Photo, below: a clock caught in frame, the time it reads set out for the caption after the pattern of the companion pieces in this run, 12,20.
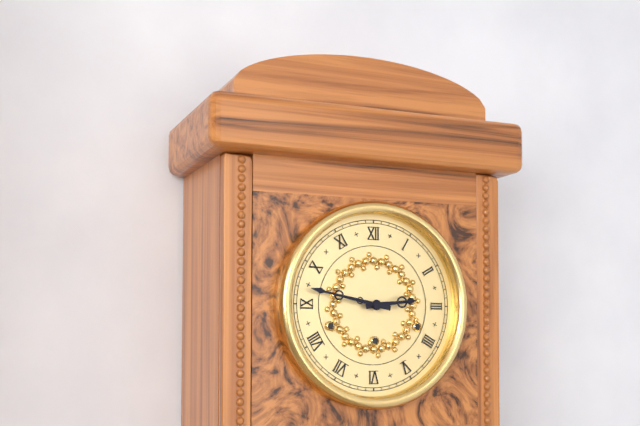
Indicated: 2,47
